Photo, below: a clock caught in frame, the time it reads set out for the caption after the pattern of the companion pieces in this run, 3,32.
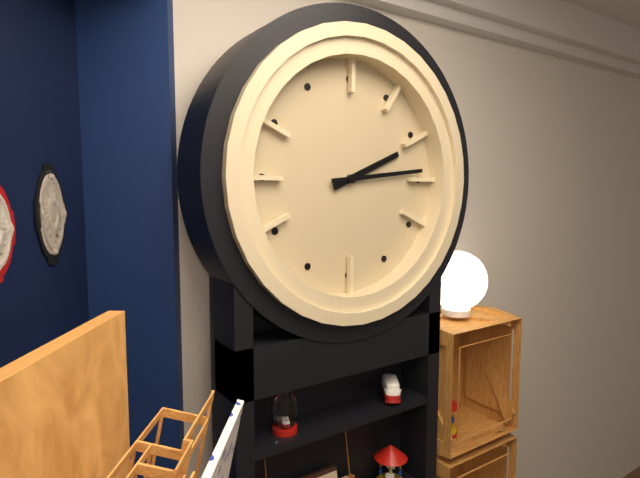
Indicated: 2,14
